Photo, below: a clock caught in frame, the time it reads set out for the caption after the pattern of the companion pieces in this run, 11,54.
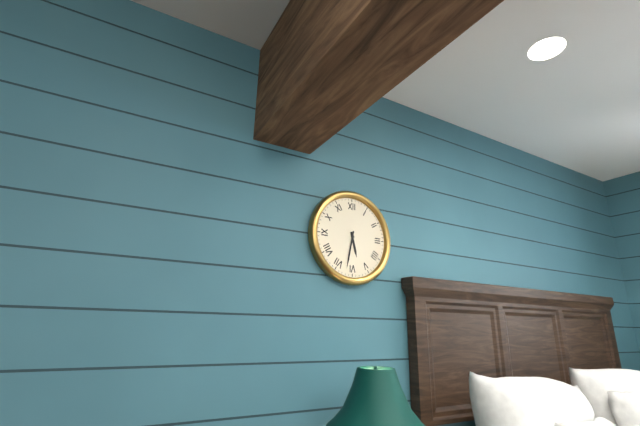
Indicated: 5,32
